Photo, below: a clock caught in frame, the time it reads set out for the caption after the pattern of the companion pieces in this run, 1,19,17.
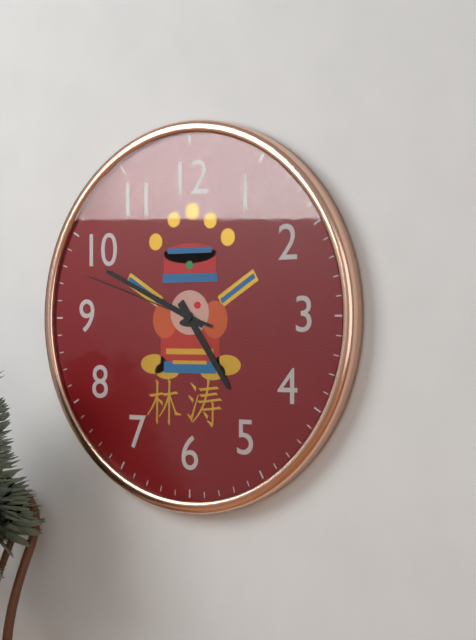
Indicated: 4,49,48
